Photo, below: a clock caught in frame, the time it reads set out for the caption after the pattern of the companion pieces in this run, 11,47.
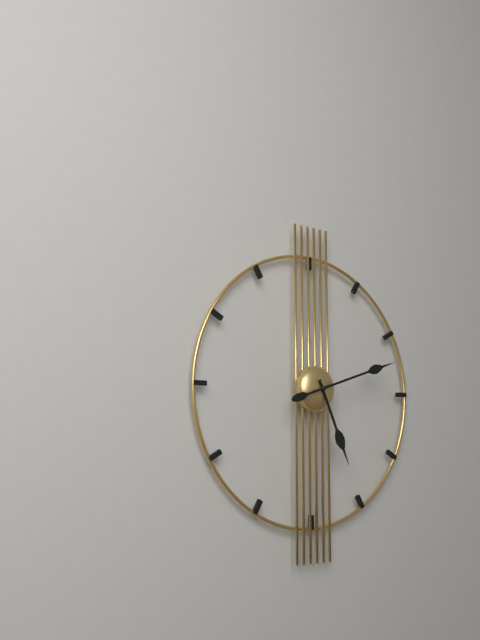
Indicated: 5,12
